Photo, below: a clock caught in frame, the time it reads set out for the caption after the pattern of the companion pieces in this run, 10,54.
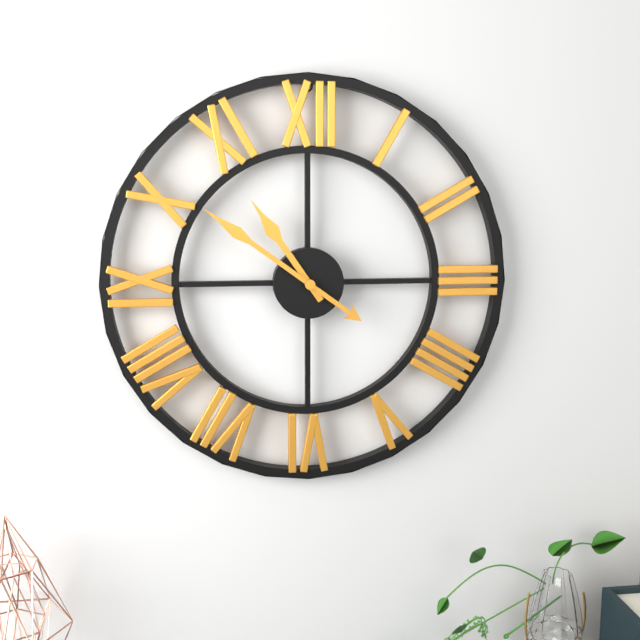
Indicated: 10,51
